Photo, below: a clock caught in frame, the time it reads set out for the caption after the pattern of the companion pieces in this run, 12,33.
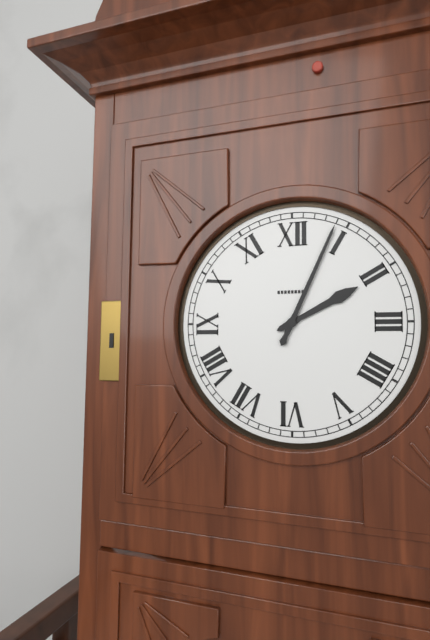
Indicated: 2,04
